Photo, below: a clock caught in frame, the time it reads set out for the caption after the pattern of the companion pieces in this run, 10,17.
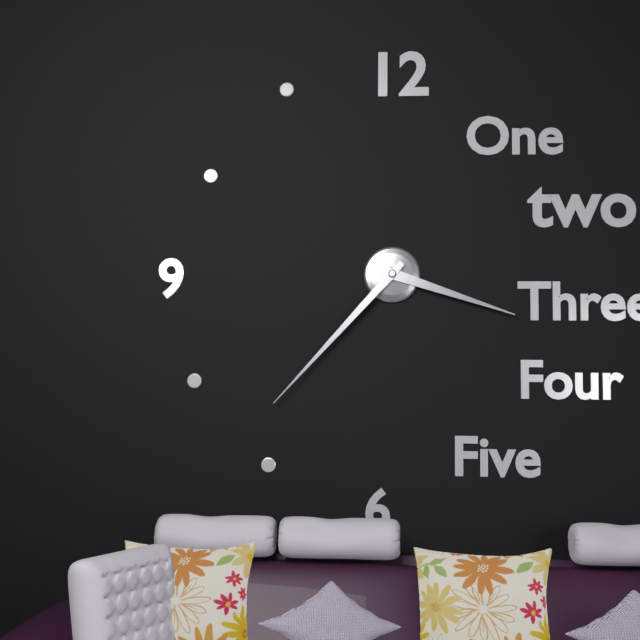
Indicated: 3,37
